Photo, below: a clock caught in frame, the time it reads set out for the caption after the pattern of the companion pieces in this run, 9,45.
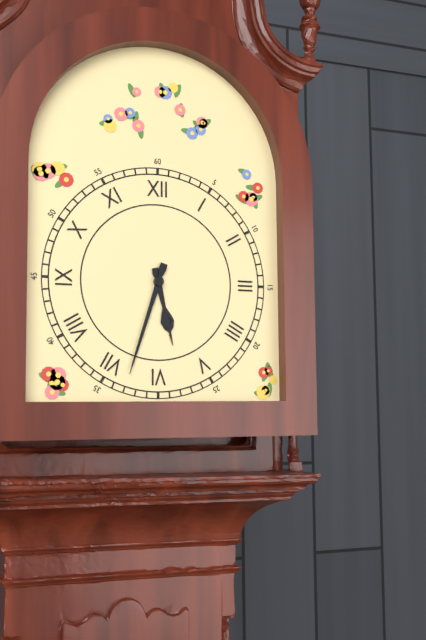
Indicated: 5,33
